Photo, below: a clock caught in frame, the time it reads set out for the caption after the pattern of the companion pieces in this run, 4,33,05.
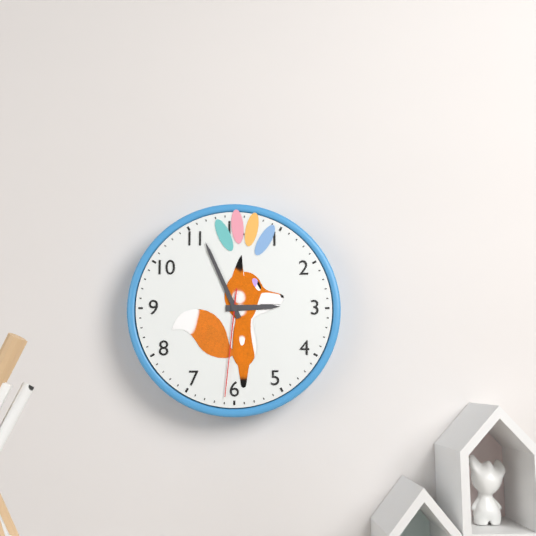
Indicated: 2,56,31
